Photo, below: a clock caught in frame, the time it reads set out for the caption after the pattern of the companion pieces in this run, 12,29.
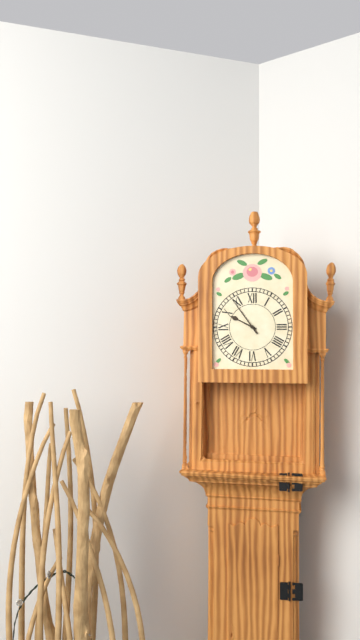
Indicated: 9,54
